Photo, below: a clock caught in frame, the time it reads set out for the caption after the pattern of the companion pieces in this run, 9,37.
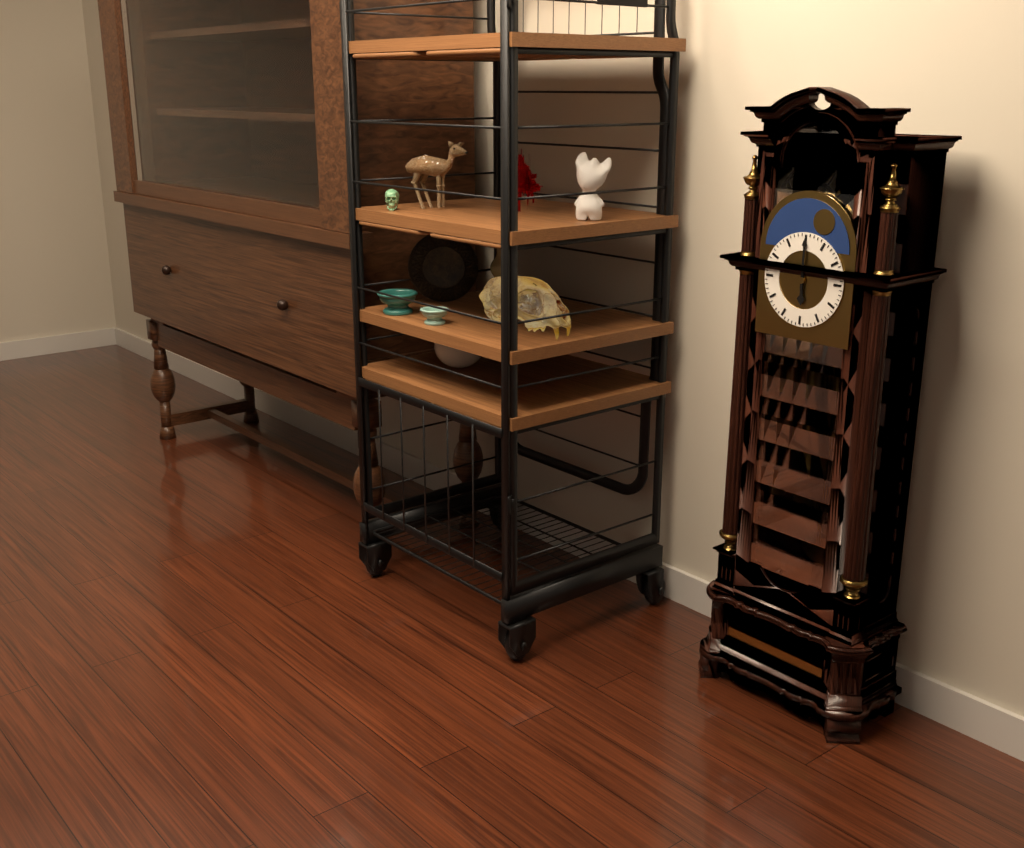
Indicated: 6,00
